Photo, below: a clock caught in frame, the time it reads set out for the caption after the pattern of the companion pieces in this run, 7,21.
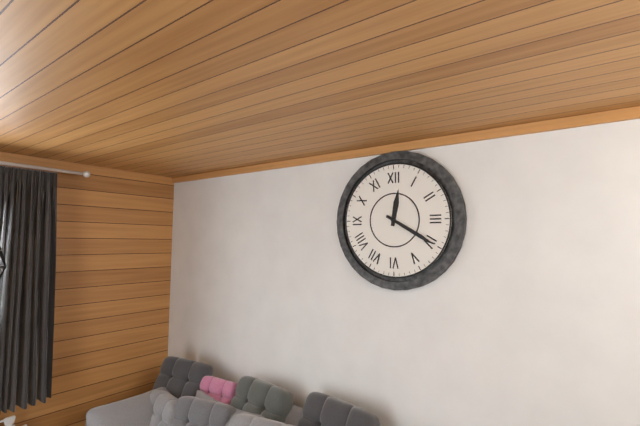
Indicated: 12,20
